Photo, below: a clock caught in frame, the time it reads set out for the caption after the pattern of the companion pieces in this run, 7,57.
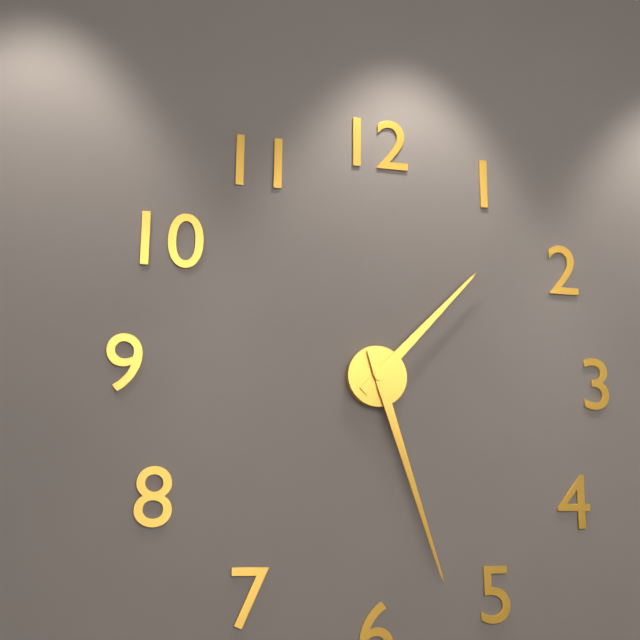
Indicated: 1,27
